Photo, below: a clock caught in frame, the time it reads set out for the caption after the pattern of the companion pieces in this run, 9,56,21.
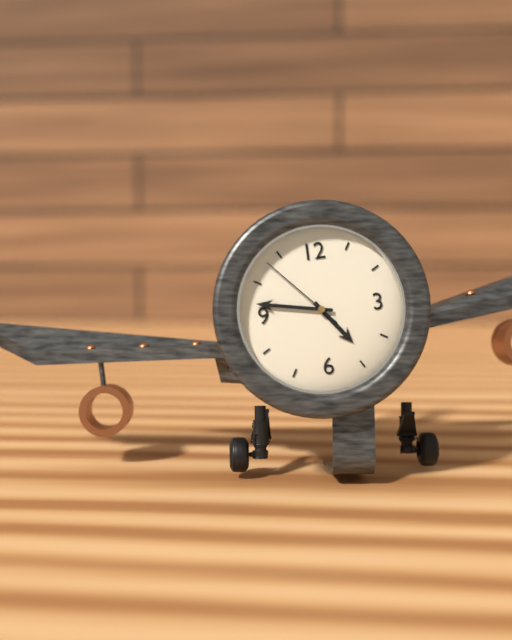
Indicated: 4,47,53
